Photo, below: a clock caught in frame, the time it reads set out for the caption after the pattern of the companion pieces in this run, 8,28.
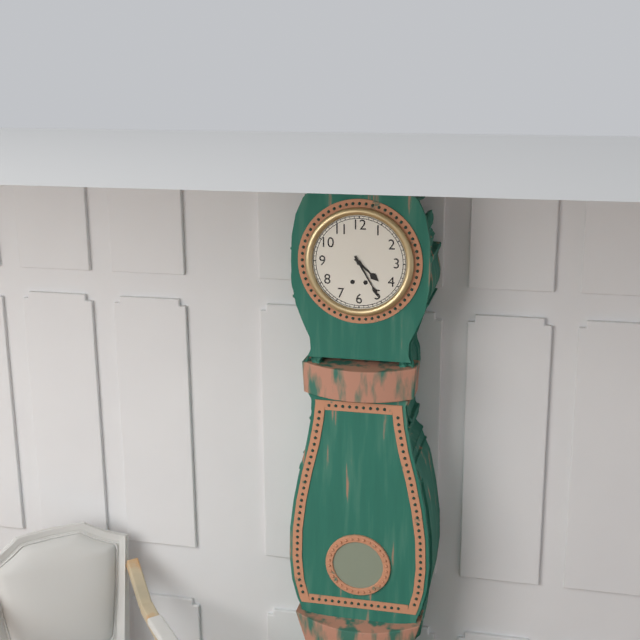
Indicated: 4,25
